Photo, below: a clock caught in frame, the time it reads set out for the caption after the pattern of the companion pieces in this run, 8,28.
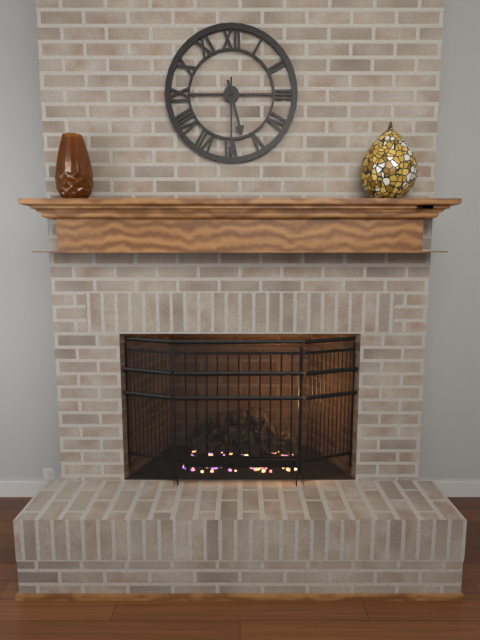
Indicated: 5,30
